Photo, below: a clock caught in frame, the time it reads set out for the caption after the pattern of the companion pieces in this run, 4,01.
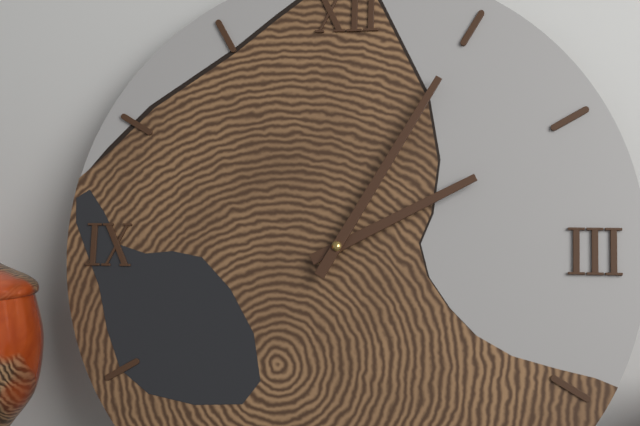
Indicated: 2,05
